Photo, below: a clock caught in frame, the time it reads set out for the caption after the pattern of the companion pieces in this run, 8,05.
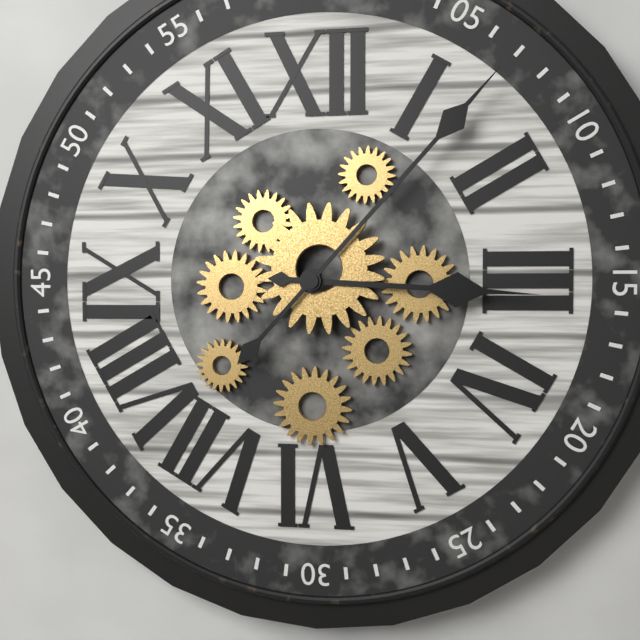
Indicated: 3,07
